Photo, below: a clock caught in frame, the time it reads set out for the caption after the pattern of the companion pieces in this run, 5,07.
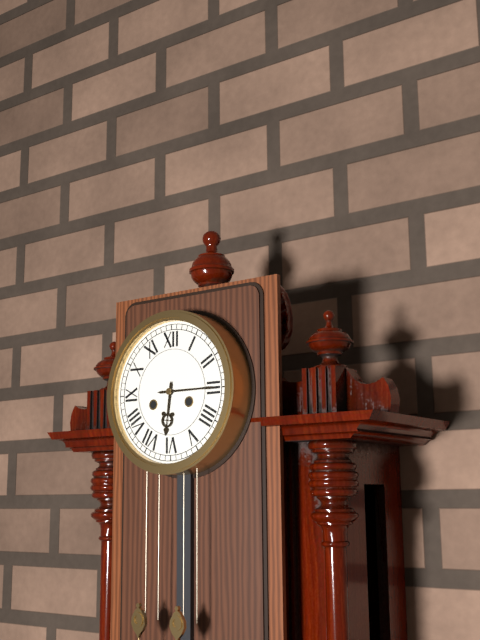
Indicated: 6,15
